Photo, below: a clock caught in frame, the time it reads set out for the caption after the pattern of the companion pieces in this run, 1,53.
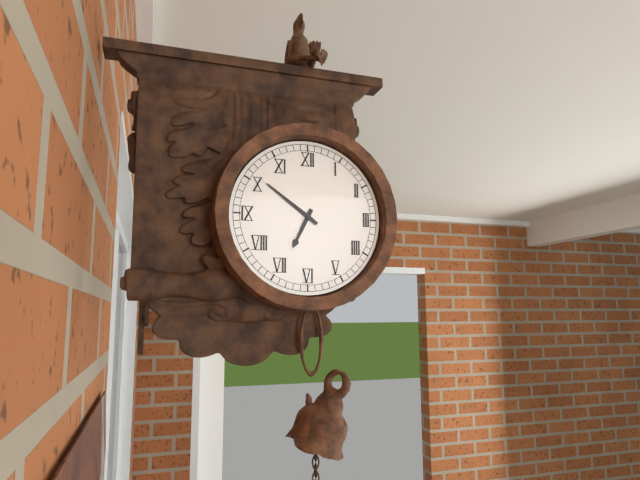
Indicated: 6,51
